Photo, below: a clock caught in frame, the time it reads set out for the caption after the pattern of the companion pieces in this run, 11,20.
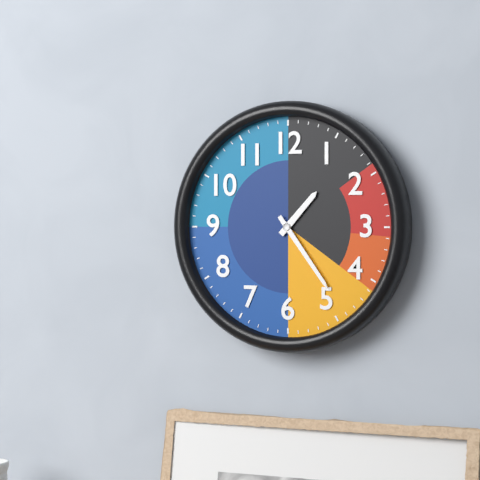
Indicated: 1,24
